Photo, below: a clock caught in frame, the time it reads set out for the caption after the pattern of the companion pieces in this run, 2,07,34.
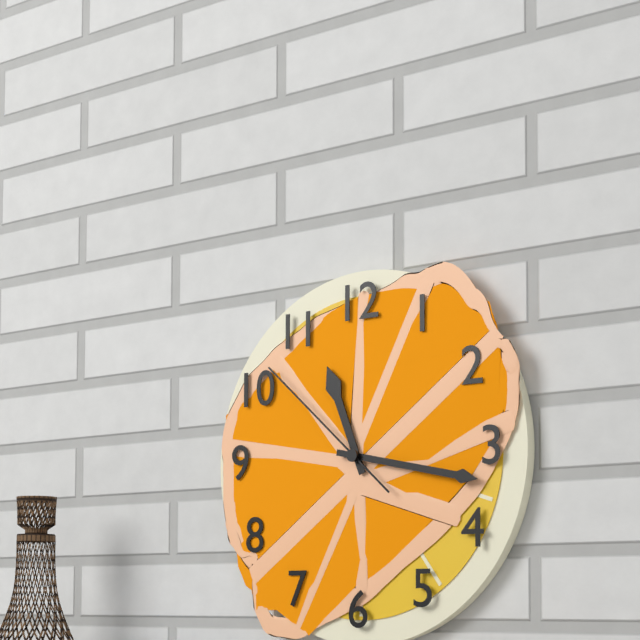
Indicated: 11,17,52
